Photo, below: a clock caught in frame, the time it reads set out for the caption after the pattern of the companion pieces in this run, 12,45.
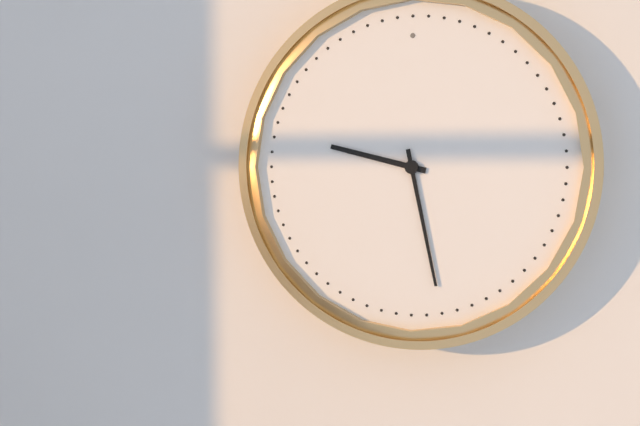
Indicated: 9,28
